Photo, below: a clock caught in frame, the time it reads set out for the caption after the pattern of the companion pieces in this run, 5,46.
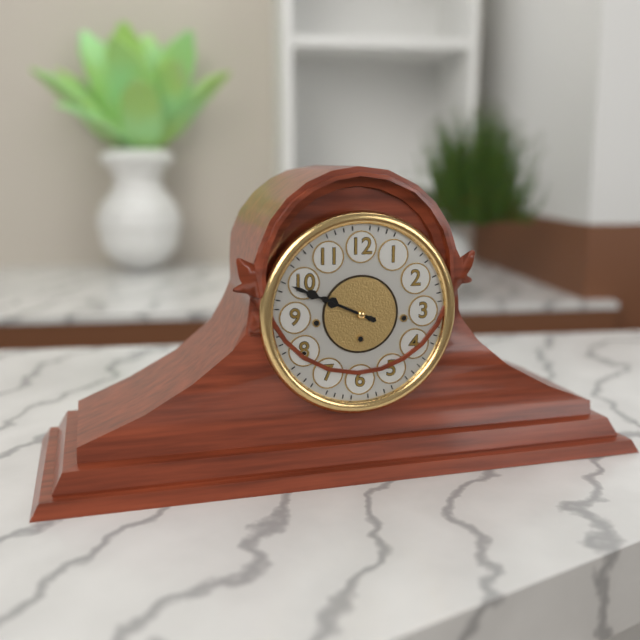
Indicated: 9,49
